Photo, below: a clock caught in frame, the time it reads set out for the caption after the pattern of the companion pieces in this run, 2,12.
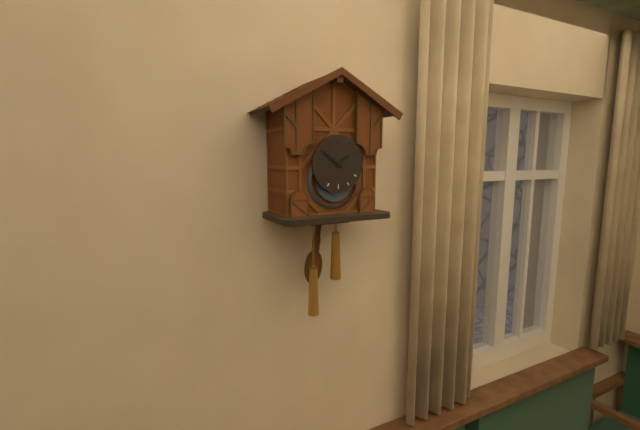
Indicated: 1,51
